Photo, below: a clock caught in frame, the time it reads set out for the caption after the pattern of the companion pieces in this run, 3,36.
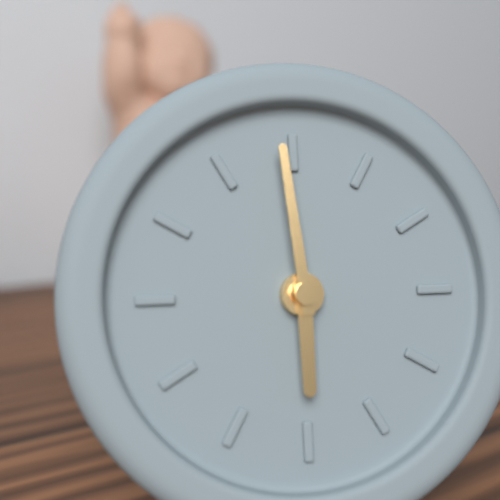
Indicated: 5,59
